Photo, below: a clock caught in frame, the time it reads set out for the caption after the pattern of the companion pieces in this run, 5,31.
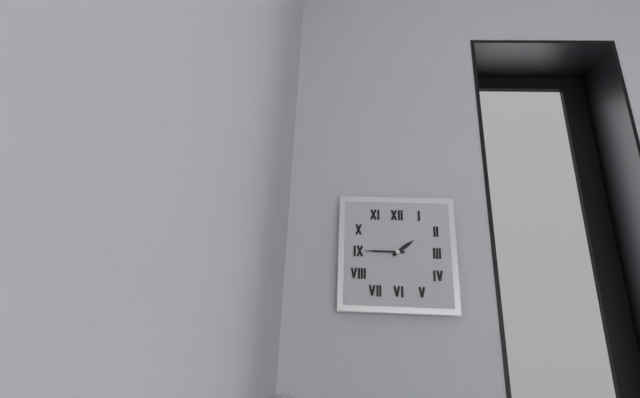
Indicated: 1,45
